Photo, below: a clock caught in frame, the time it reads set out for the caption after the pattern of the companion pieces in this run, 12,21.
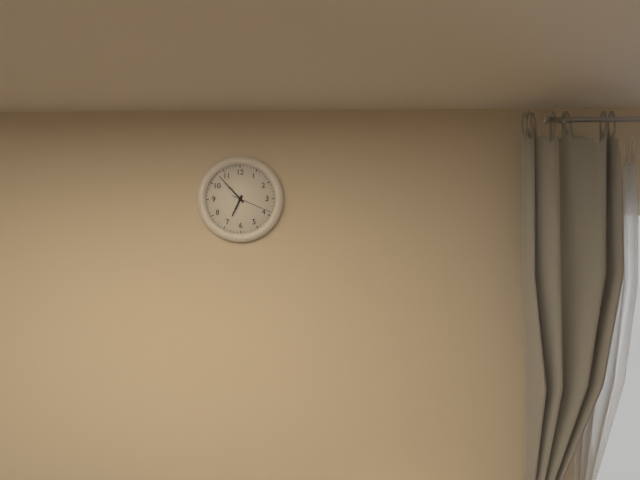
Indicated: 6,53
